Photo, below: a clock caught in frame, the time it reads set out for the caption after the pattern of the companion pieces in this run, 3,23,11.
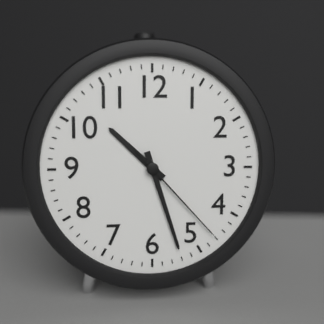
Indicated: 10,27,23
